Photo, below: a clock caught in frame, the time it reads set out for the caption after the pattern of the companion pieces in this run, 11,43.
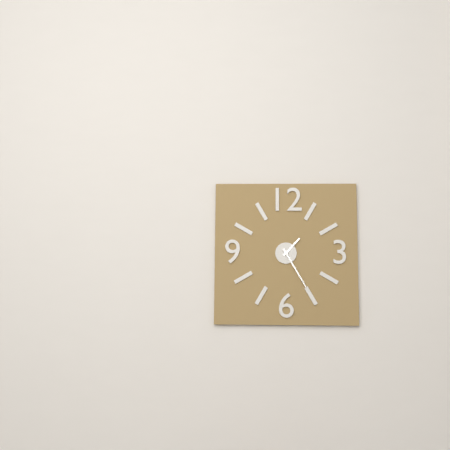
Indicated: 1,25
